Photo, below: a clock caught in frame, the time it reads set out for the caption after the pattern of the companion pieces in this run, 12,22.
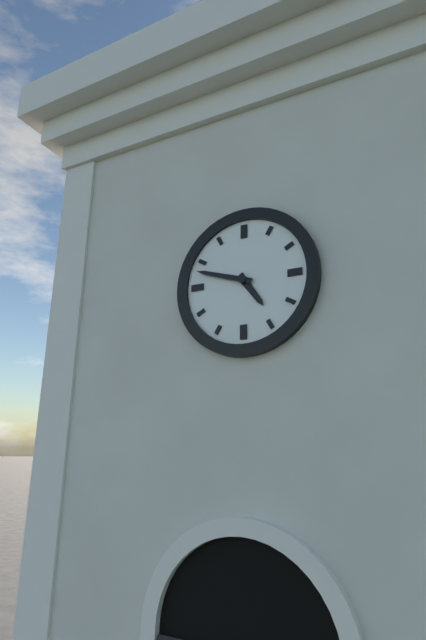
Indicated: 4,48
